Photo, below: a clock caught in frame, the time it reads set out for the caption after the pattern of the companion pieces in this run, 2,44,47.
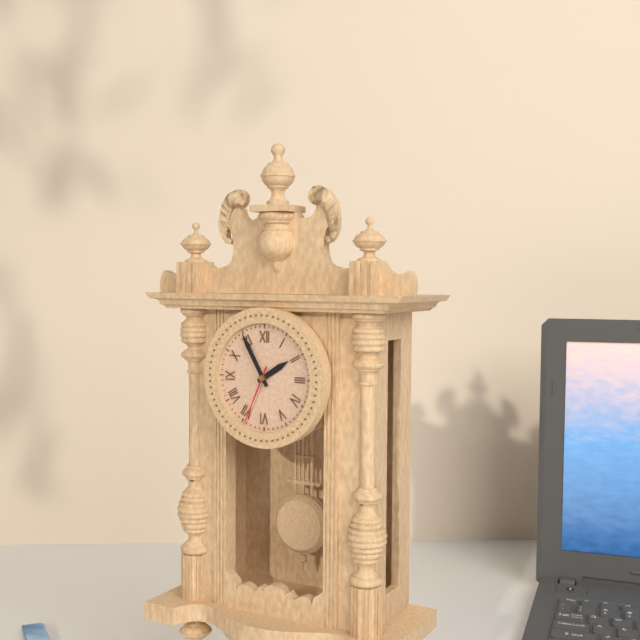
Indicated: 1,55,34
